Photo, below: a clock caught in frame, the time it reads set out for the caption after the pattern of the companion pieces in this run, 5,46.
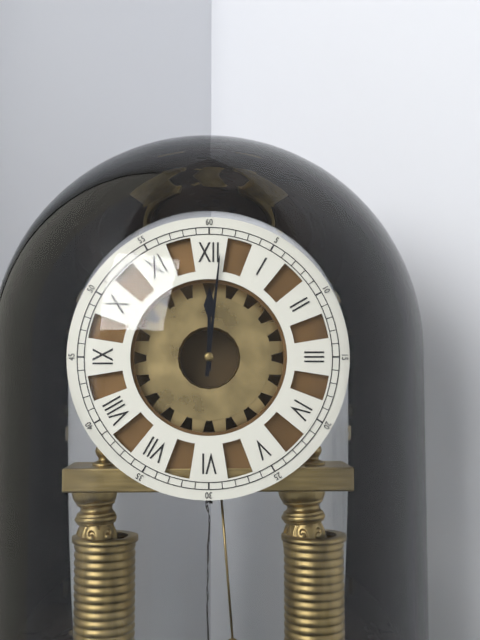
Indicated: 12,01
